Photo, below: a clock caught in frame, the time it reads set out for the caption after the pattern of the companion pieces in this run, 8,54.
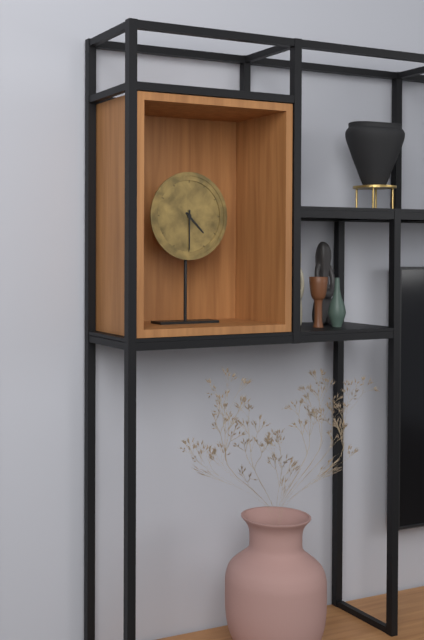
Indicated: 4,30
